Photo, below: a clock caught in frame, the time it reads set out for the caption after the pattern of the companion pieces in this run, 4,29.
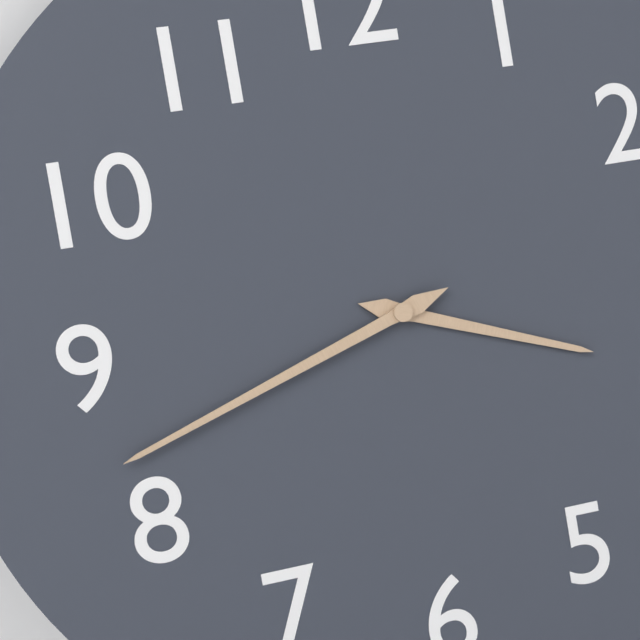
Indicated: 3,42
